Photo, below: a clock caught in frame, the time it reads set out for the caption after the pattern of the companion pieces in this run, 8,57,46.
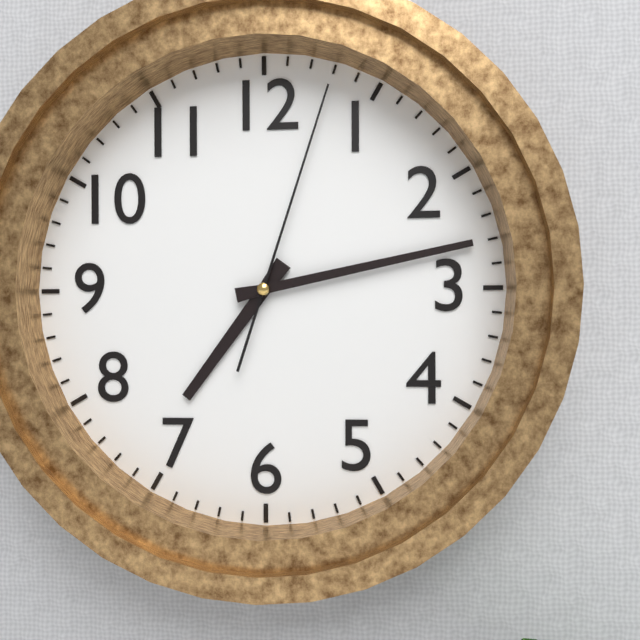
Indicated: 7,13,03
